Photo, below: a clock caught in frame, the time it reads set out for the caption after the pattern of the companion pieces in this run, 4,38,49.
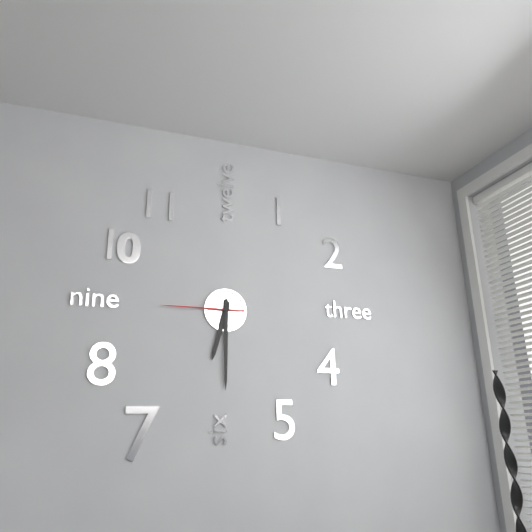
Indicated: 6,30,45
